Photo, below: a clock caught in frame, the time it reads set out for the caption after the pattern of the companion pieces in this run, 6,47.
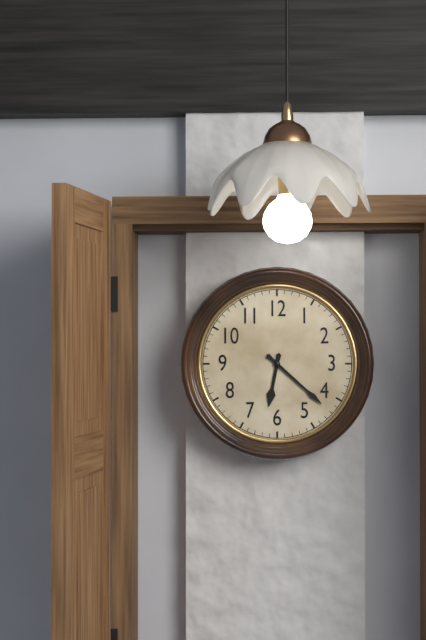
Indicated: 6,22
